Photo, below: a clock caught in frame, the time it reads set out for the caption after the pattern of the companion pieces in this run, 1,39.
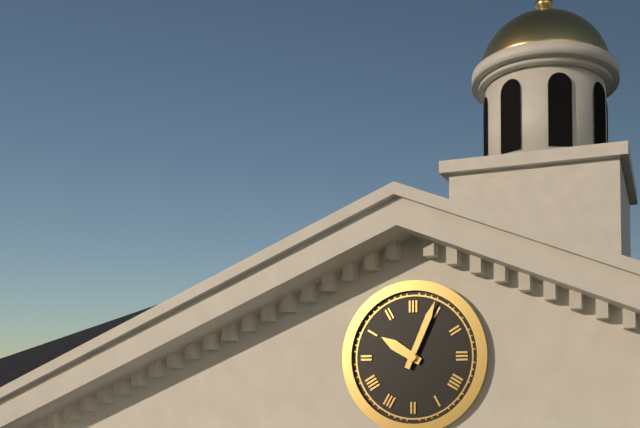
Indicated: 10,04
